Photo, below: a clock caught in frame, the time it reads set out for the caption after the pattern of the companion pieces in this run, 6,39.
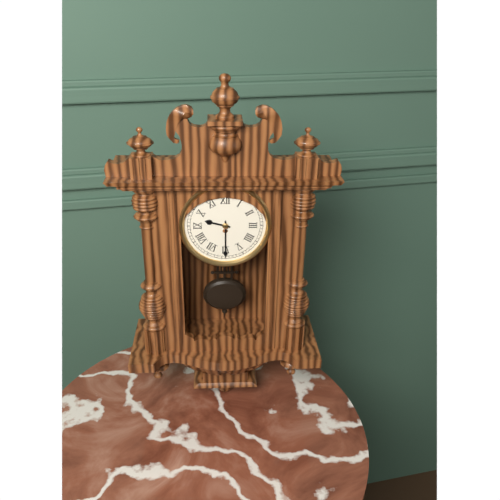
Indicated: 9,30
